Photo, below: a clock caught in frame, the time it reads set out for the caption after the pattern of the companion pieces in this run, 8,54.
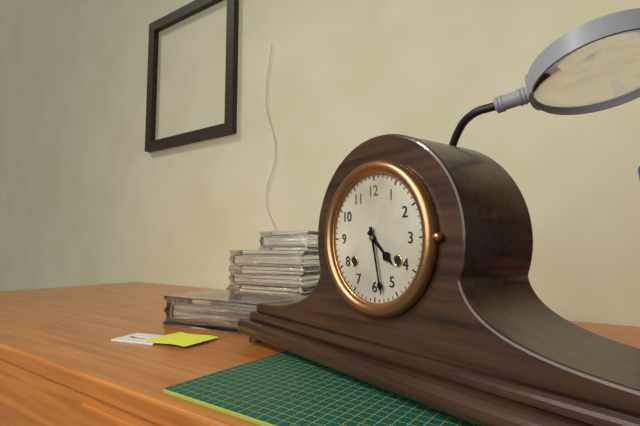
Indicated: 4,28
